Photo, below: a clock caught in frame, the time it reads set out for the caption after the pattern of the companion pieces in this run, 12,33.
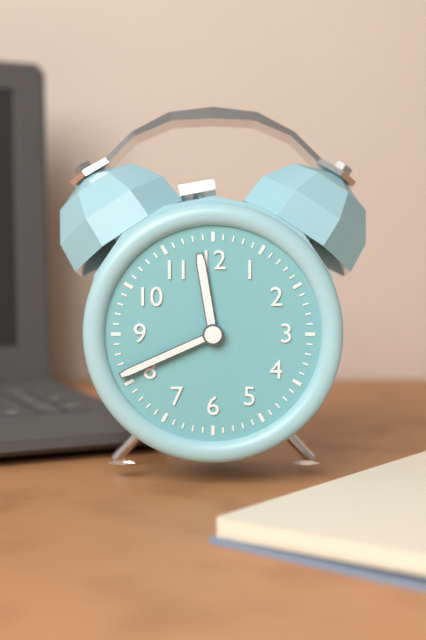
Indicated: 11,41
